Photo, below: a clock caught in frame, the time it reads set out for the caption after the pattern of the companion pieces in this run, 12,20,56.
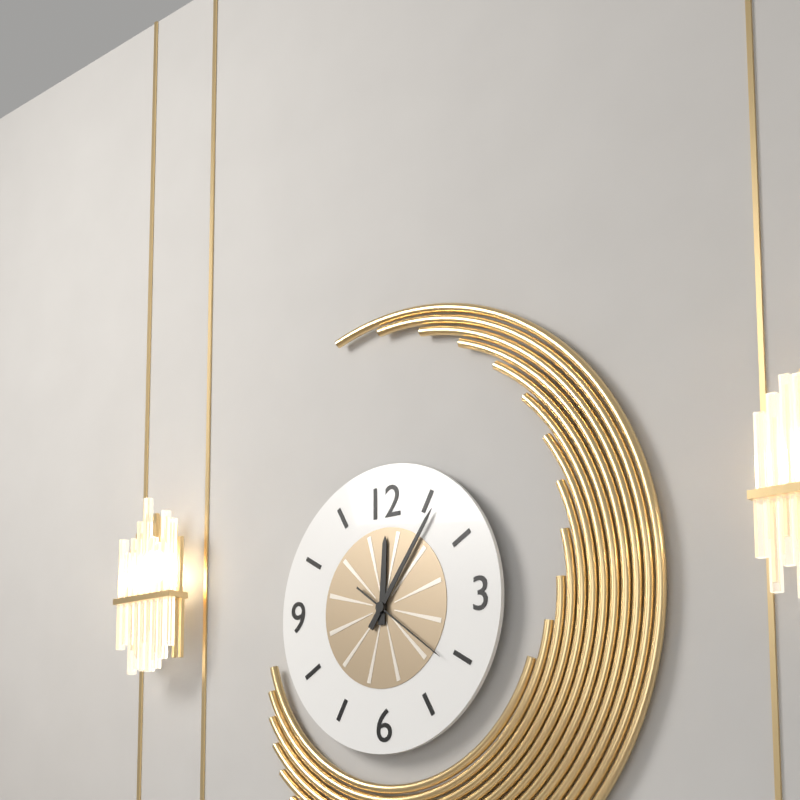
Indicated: 12,06,21
